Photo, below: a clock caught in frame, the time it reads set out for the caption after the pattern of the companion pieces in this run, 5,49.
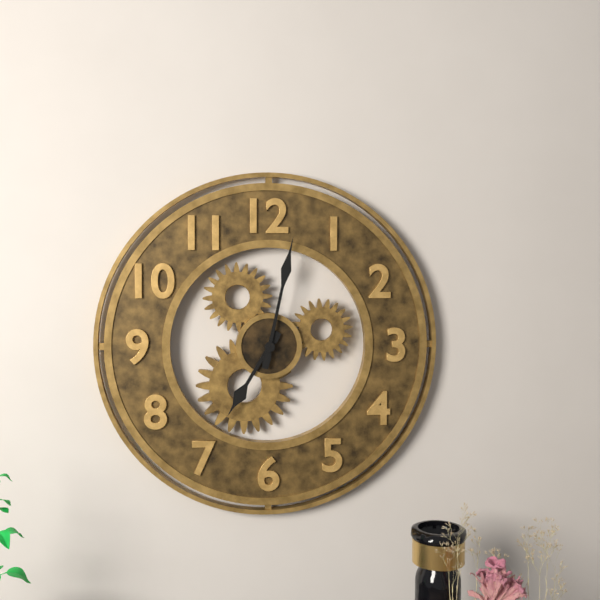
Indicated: 7,02
